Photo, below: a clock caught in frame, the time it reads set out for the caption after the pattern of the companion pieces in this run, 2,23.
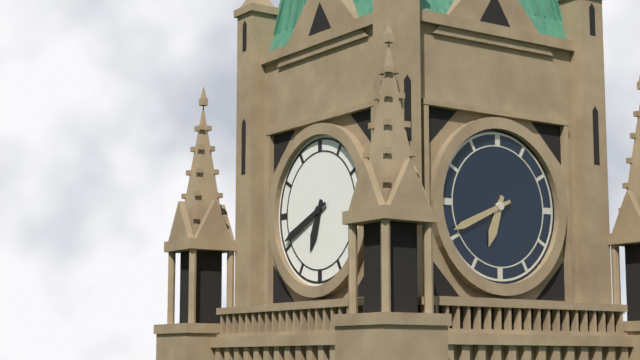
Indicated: 6,41
